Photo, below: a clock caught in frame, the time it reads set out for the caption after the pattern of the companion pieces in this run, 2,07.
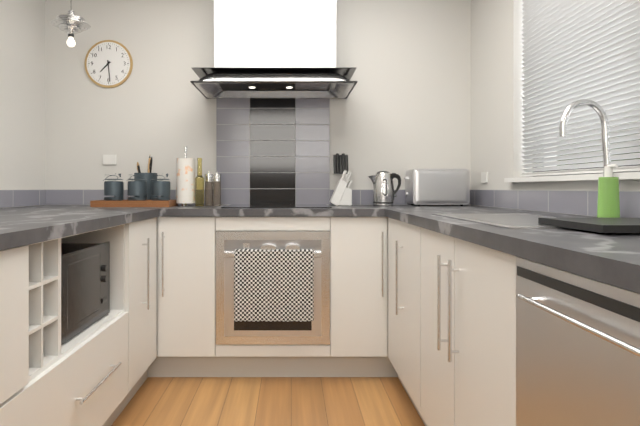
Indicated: 7,29
